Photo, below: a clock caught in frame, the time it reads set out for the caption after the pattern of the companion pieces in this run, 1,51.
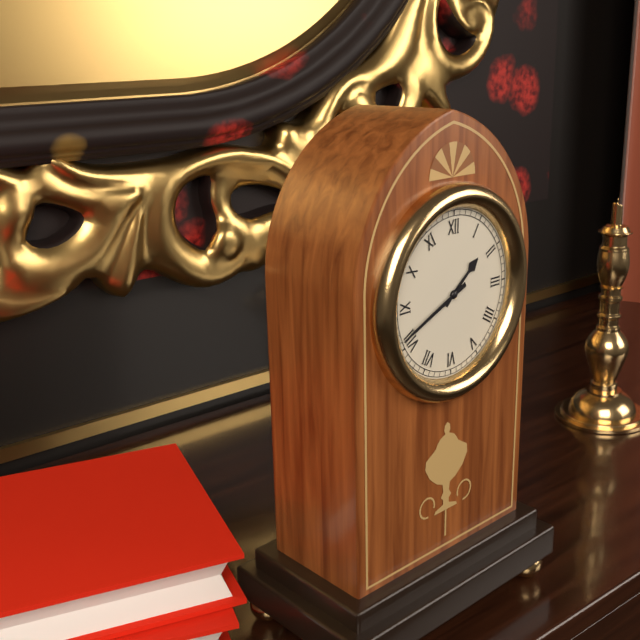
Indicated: 1,41
